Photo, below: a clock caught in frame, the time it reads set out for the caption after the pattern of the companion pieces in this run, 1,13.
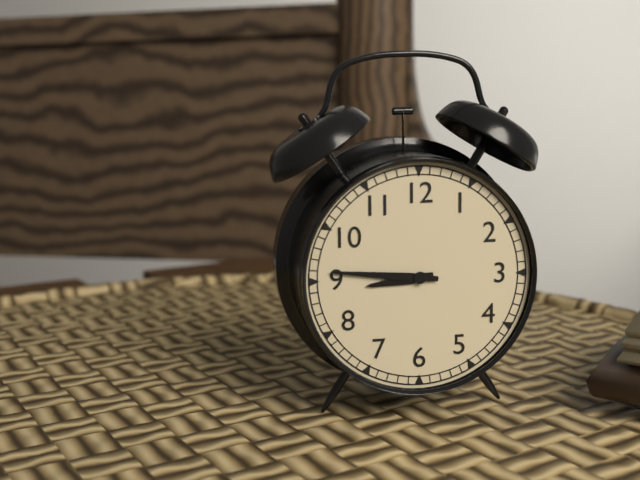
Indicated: 8,46
